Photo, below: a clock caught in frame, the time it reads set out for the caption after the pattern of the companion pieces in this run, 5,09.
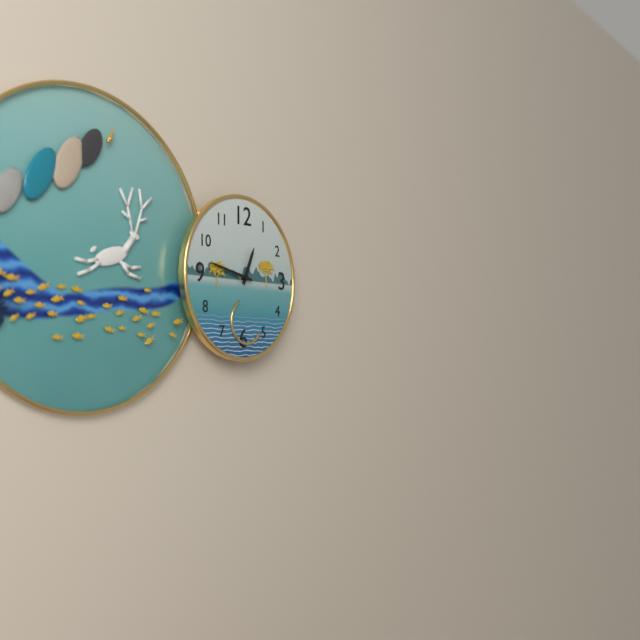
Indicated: 12,47
